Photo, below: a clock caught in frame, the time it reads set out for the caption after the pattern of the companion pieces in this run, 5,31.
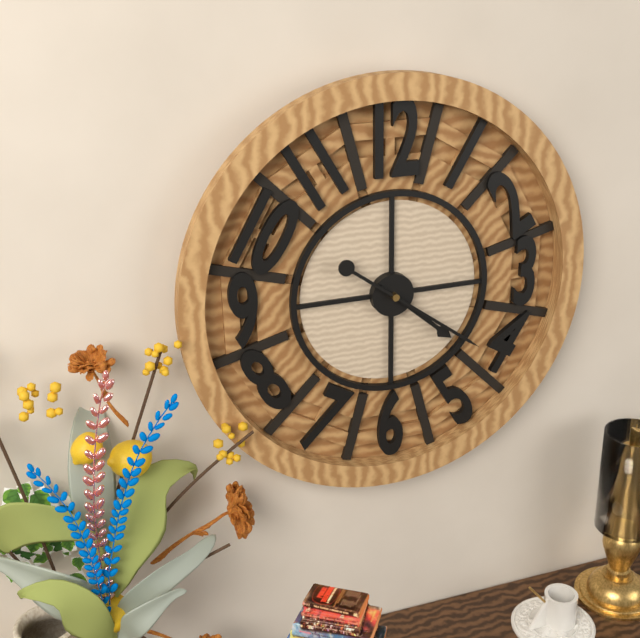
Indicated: 4,21
